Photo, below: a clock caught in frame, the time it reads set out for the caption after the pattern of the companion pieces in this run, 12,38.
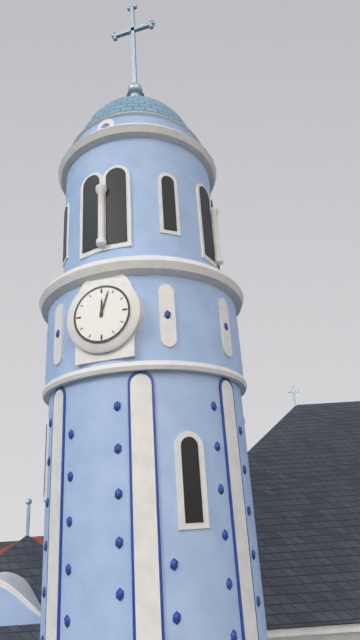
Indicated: 12,03
